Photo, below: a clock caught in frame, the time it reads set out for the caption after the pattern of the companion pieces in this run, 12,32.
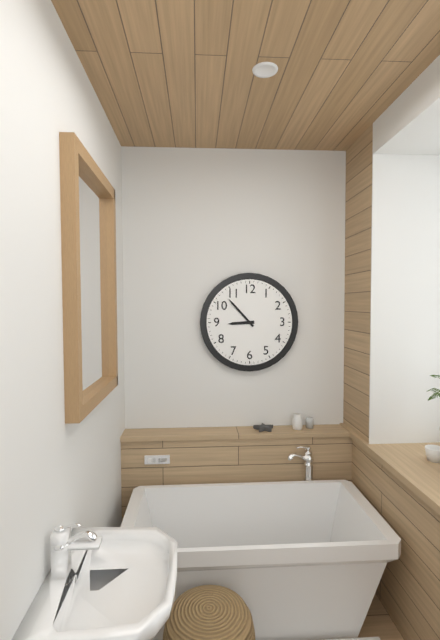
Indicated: 8,53
